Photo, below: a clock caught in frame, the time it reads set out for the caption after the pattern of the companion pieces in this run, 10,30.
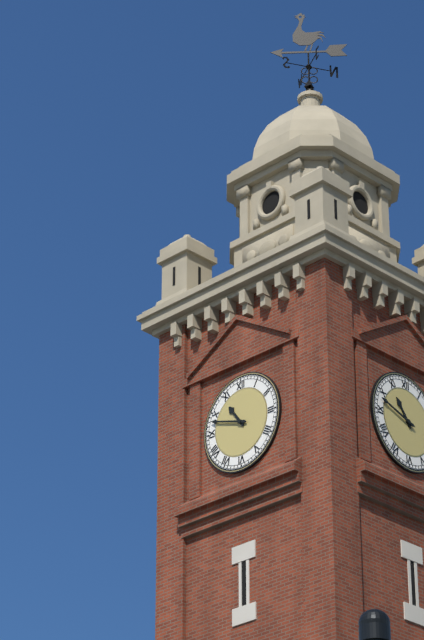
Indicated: 10,48
